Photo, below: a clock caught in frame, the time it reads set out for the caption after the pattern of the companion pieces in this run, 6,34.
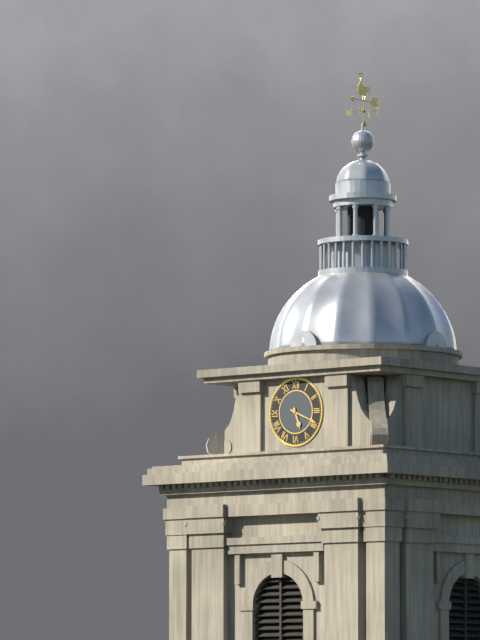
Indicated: 5,19
